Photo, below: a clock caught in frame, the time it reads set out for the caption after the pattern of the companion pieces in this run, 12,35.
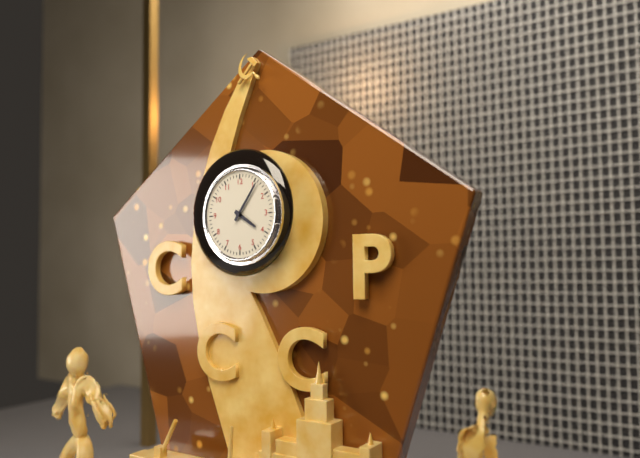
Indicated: 4,06
